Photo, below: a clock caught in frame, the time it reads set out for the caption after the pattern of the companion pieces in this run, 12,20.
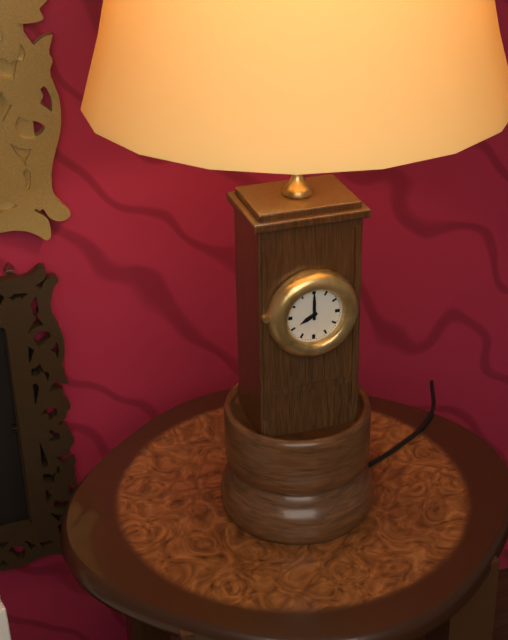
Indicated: 8,00
